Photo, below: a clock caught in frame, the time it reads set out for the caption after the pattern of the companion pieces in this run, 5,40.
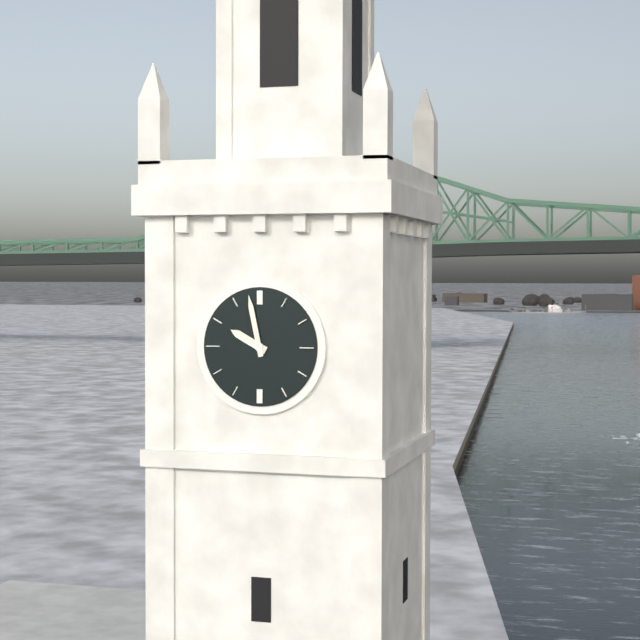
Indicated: 9,58
